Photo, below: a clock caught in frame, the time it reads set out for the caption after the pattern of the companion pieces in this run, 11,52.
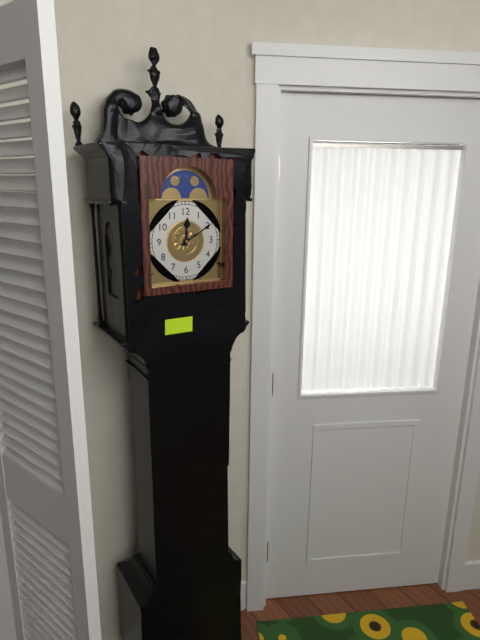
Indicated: 12,10
